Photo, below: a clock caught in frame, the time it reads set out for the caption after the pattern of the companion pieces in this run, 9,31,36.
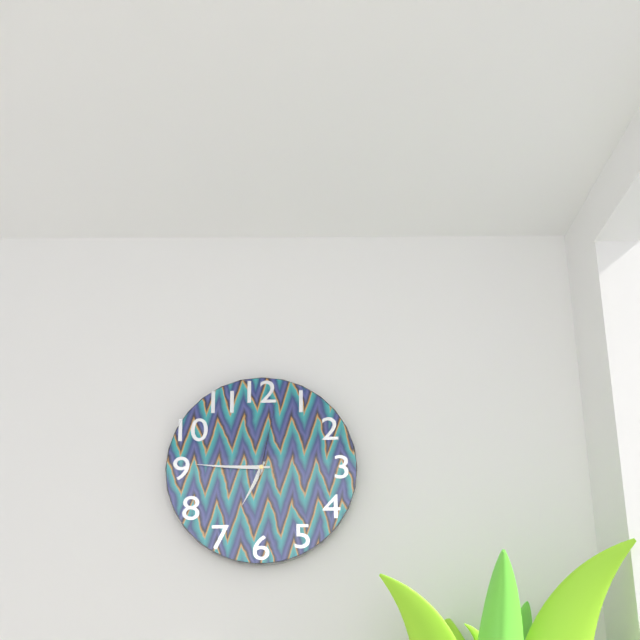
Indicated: 6,45,02
